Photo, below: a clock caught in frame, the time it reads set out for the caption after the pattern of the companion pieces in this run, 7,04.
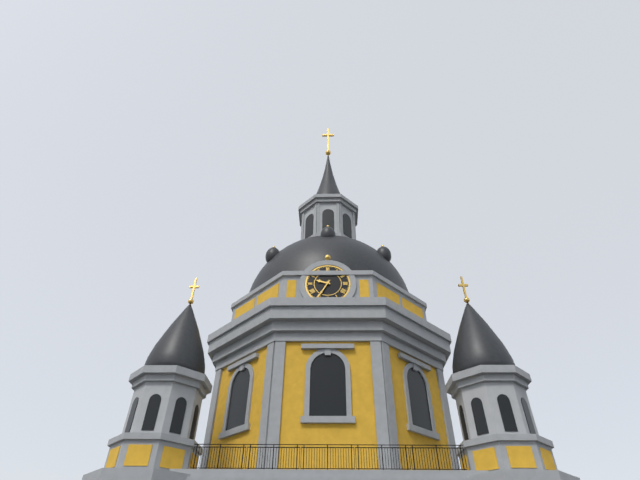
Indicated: 9,35
